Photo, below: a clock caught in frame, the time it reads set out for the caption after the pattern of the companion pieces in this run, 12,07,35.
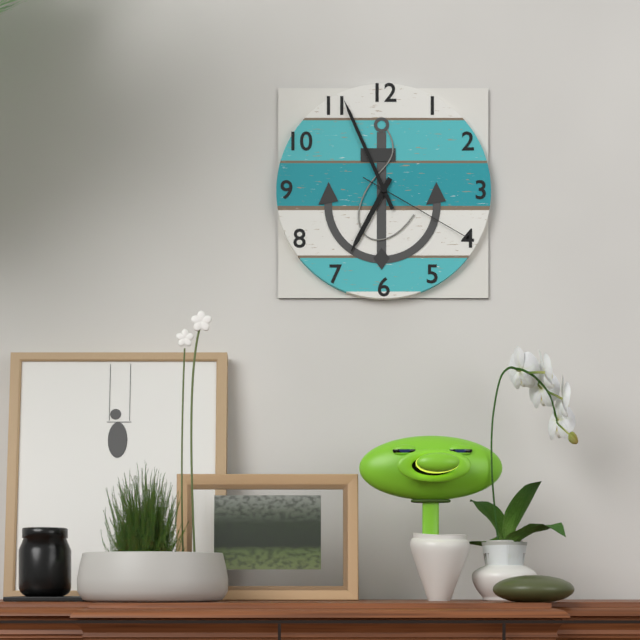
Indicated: 6,56,20
